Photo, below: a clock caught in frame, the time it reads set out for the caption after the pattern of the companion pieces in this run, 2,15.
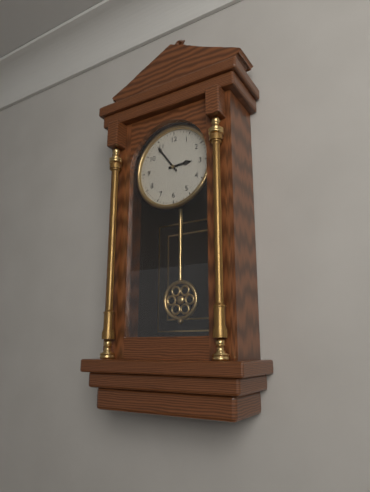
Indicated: 2,54
